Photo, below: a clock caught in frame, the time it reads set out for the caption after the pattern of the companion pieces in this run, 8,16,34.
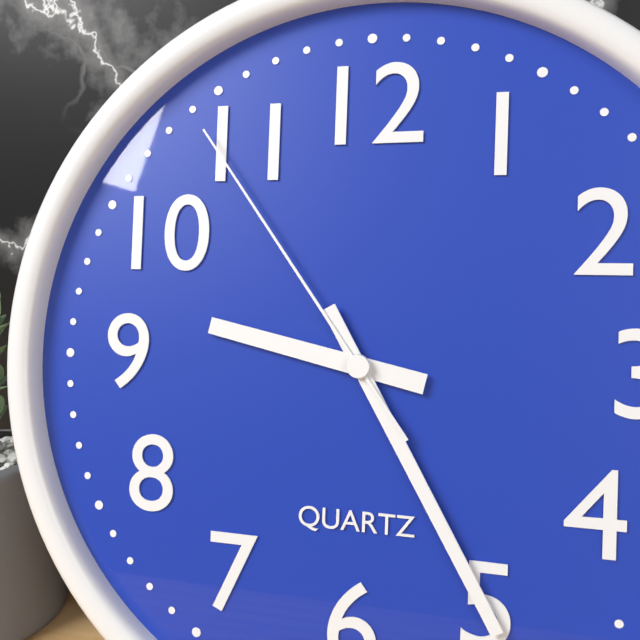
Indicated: 9,25,54
